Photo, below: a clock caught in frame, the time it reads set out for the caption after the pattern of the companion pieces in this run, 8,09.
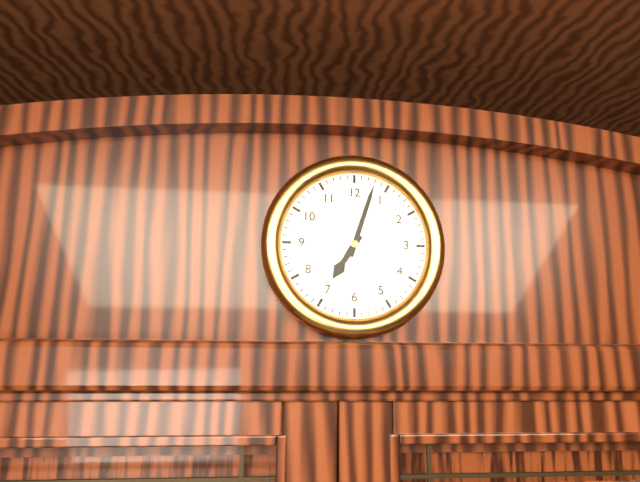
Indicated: 7,03
